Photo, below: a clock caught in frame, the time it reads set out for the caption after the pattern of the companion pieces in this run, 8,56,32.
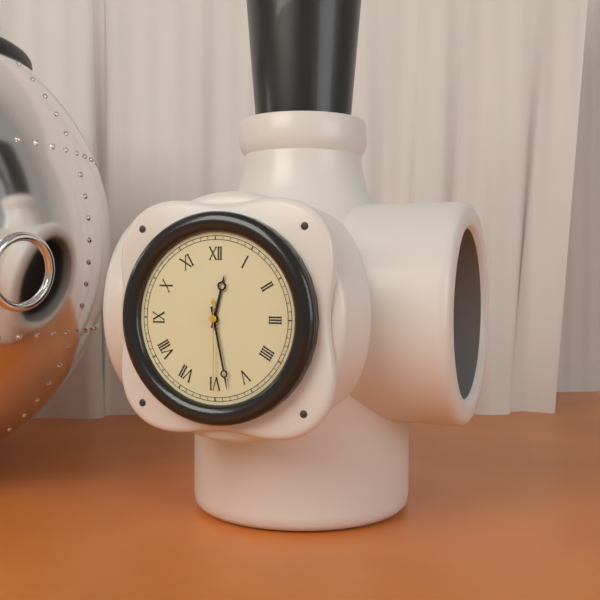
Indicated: 12,28,30
